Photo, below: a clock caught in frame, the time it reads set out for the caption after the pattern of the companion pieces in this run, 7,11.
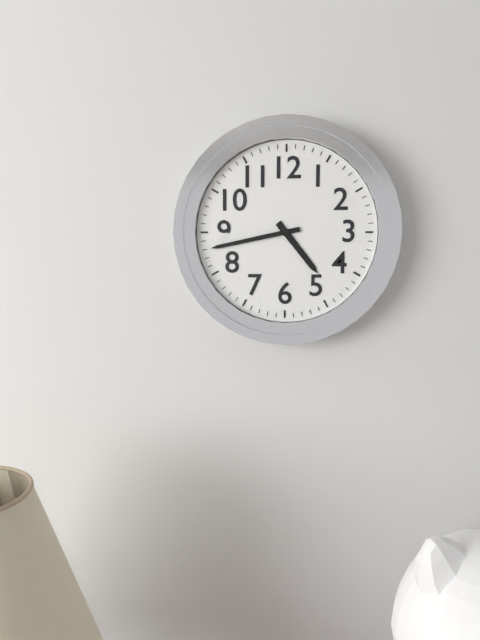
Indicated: 4,43
